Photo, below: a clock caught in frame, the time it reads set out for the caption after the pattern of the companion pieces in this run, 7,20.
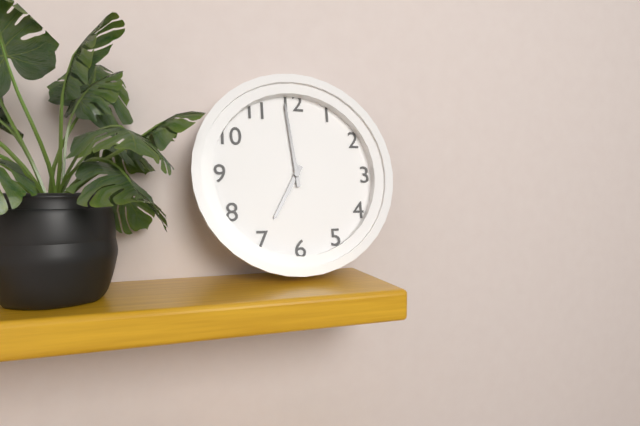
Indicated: 6,59
